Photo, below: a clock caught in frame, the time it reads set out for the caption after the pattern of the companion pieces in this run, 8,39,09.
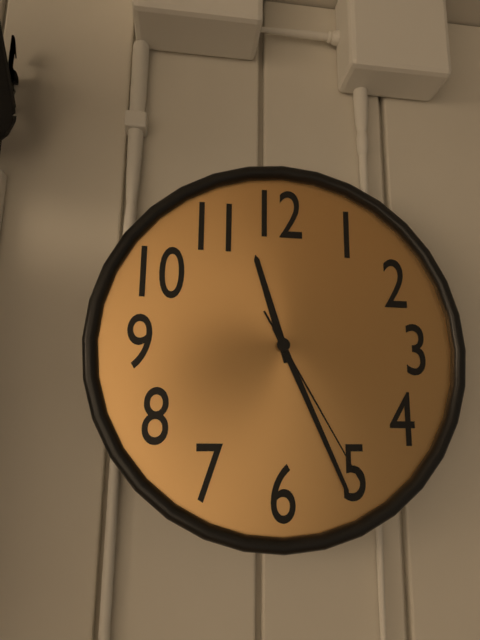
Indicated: 11,26,25
